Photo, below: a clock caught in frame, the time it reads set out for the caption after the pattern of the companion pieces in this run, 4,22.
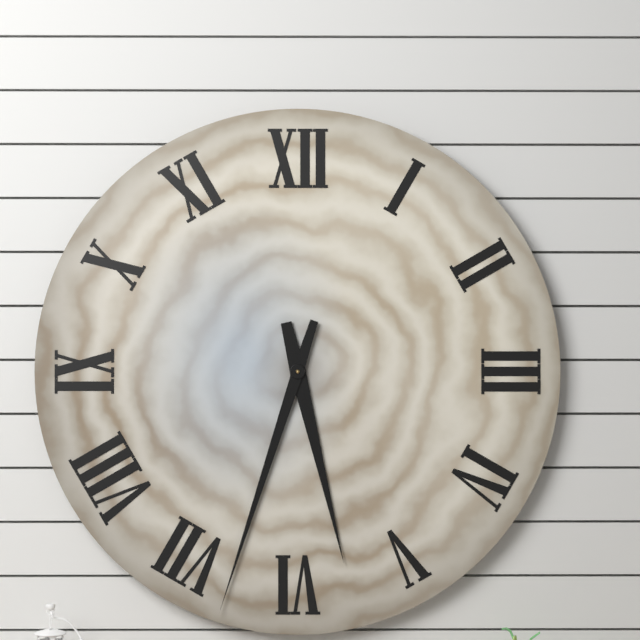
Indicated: 5,33
